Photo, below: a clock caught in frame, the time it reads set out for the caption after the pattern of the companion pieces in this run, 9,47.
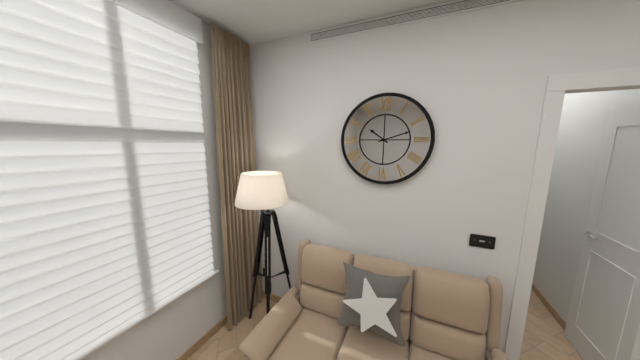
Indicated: 10,12
